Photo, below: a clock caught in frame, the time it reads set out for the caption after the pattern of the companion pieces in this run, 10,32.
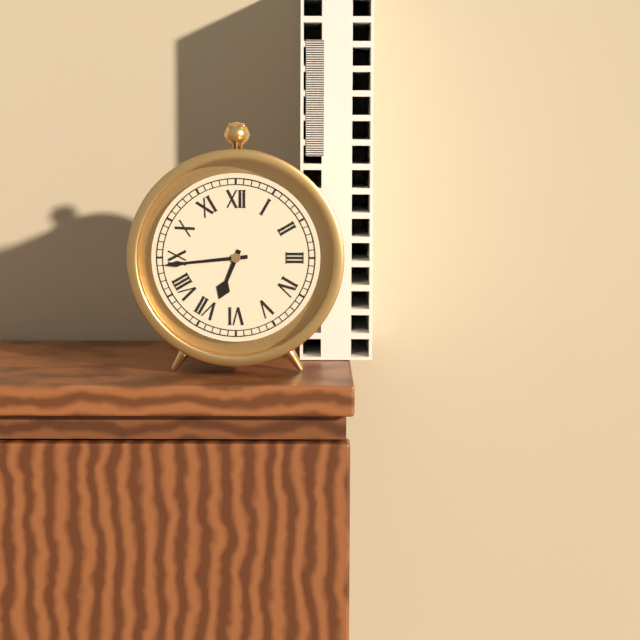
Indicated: 6,44
